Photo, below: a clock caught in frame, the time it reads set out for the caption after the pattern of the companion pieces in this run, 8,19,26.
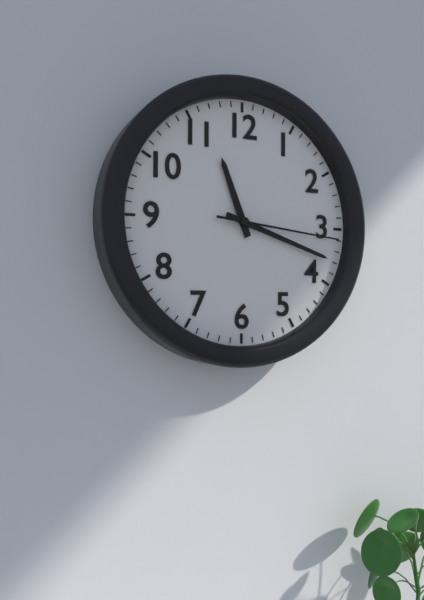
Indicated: 11,18,16
